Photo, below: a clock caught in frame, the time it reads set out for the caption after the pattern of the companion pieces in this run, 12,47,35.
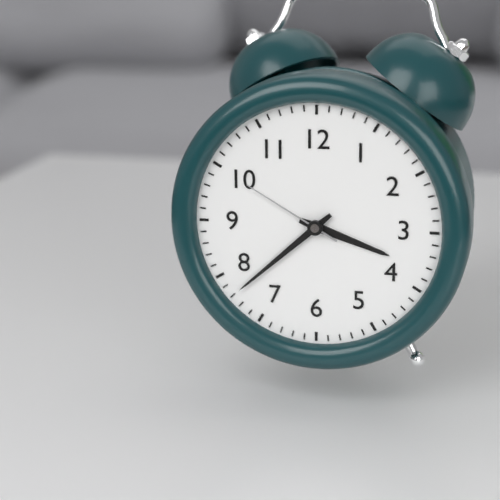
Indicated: 3,38,50
